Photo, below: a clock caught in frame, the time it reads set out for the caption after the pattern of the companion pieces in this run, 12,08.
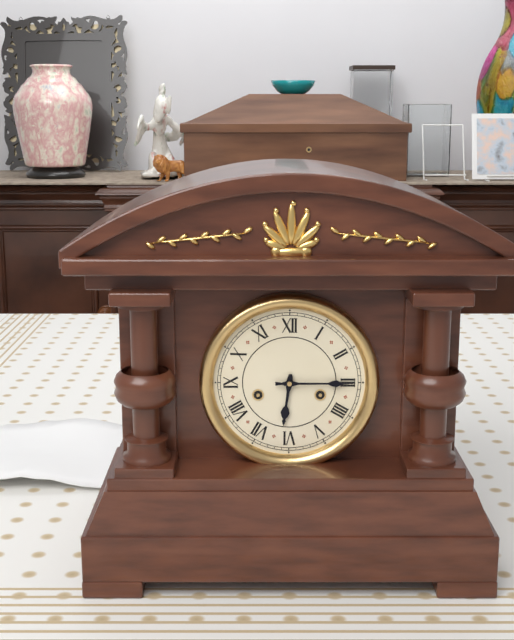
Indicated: 6,15
